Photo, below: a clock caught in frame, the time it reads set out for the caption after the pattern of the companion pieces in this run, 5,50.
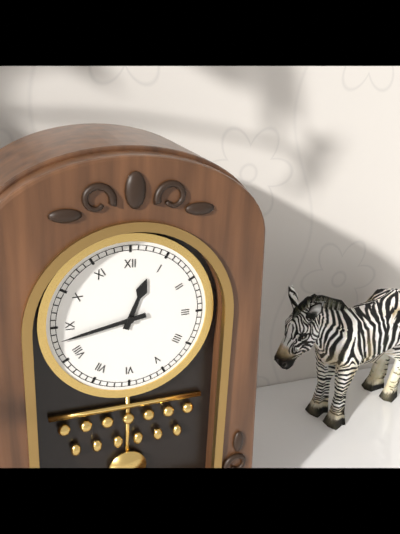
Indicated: 12,43
